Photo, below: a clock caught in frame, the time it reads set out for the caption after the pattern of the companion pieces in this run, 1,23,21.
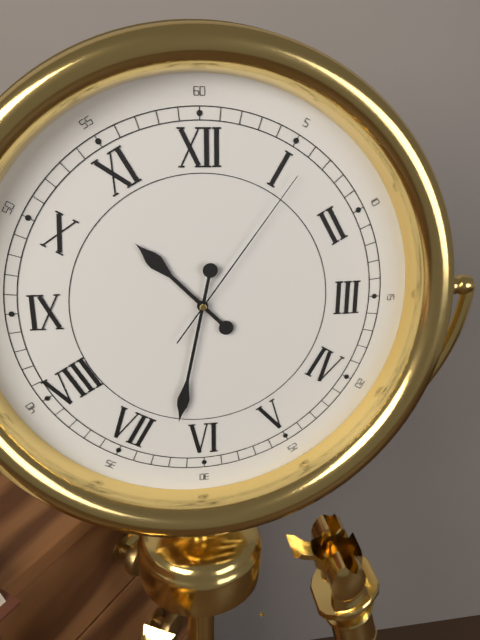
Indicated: 10,32,06
